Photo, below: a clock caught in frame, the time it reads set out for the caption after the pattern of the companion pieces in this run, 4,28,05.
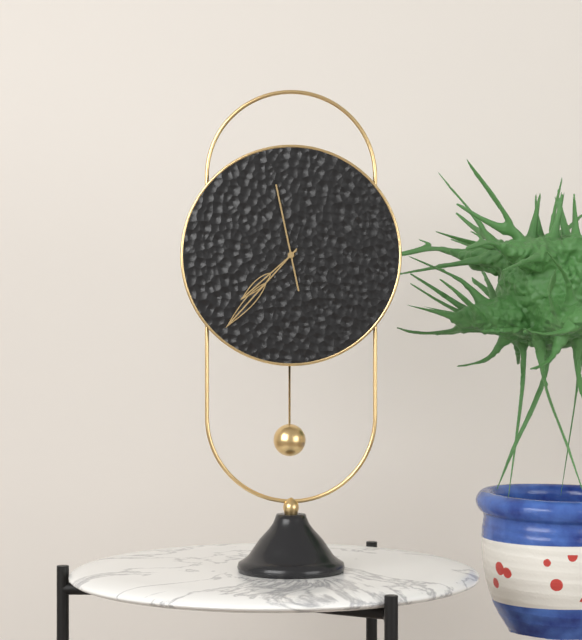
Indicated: 7,37,58
